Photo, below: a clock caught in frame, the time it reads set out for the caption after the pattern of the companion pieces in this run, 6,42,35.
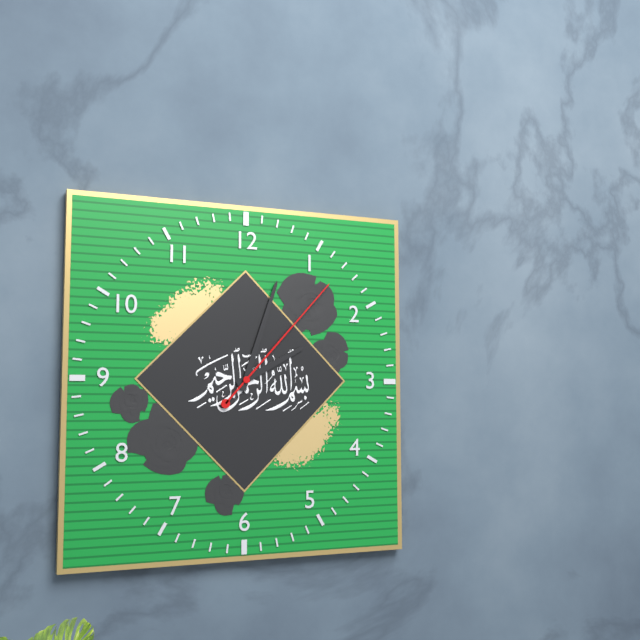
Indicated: 2,03,07
